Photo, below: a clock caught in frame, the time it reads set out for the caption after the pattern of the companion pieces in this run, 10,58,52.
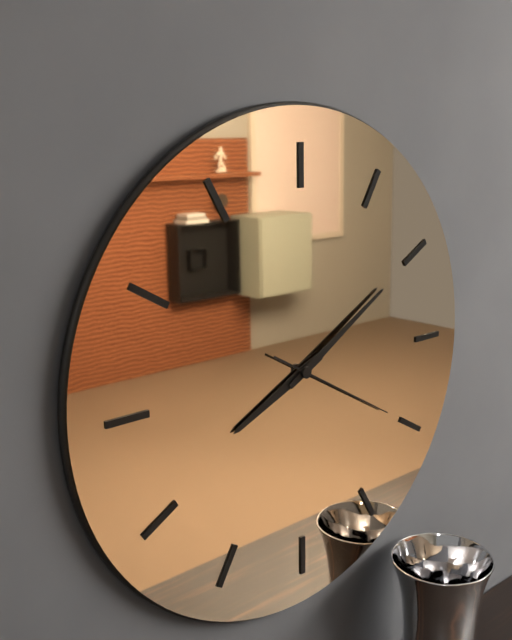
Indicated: 8,10,20
